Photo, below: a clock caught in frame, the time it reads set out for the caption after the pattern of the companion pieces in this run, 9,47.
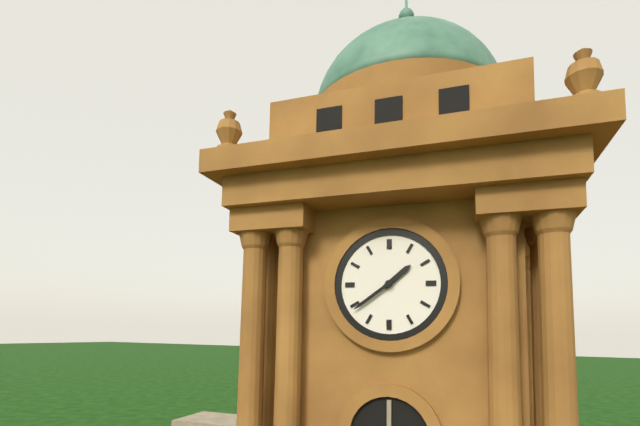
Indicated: 1,39
